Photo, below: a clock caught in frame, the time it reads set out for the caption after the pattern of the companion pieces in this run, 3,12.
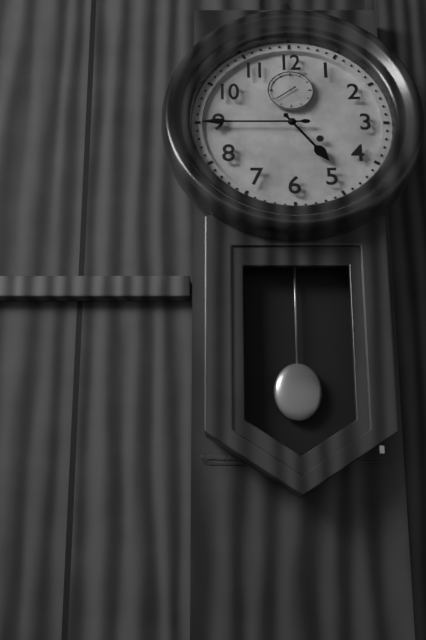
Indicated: 4,45
